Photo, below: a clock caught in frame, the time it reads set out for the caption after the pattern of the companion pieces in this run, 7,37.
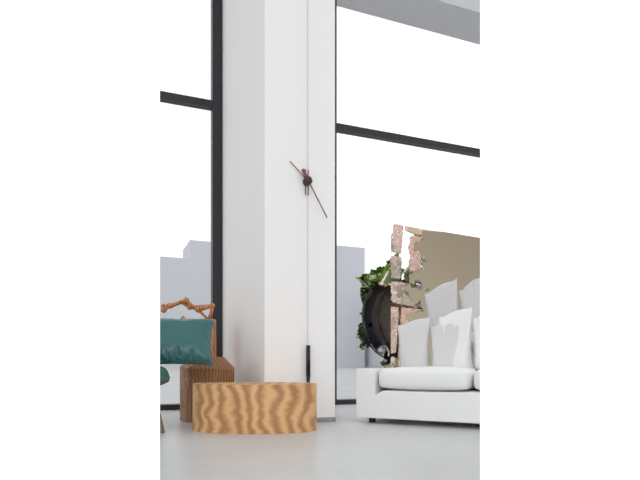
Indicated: 10,25
